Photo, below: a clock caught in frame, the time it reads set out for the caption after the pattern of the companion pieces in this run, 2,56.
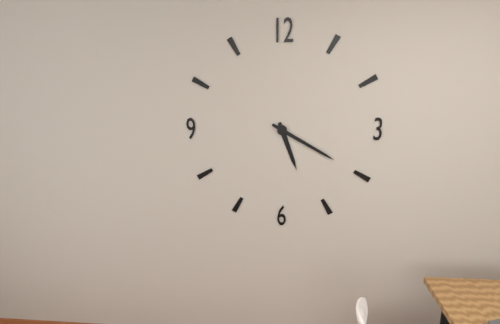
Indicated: 5,20
